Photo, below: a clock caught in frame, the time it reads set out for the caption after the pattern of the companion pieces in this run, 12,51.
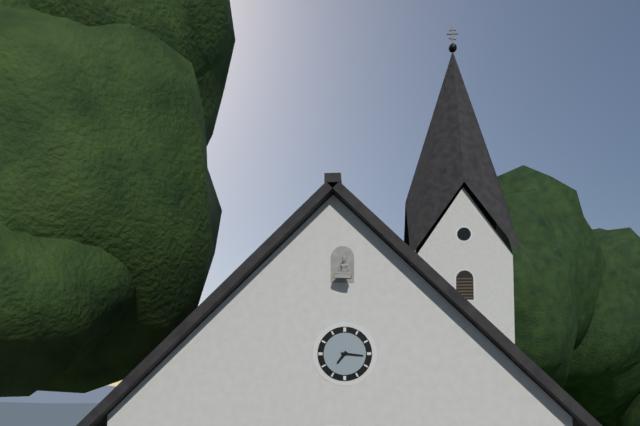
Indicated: 7,16
